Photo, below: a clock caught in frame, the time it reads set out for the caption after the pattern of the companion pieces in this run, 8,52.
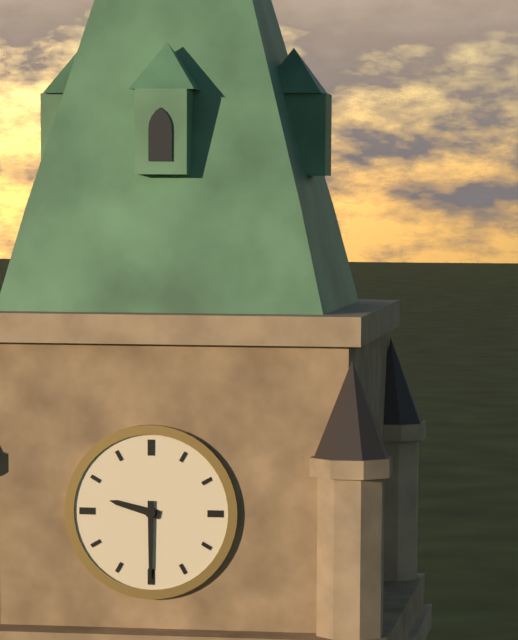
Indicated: 9,30
